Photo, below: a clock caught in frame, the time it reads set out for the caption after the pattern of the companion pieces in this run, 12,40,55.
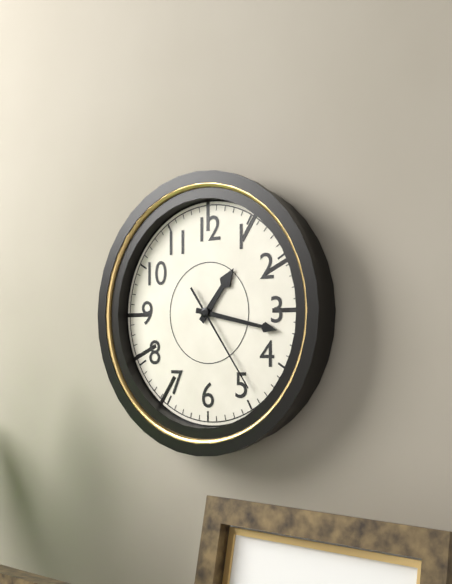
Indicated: 1,17,24
